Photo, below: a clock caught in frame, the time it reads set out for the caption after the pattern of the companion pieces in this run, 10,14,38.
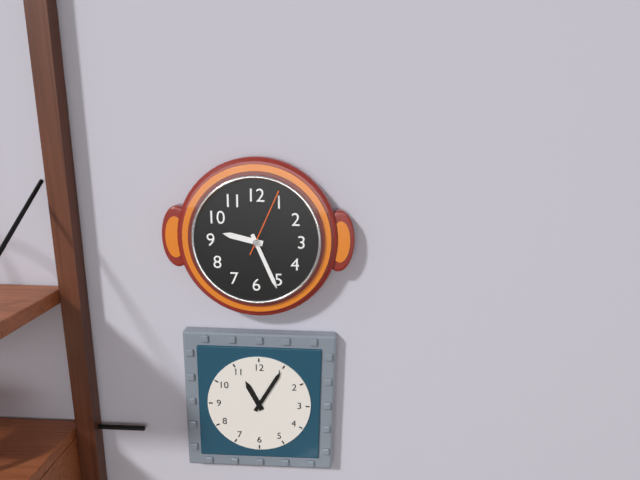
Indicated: 9,26,04
